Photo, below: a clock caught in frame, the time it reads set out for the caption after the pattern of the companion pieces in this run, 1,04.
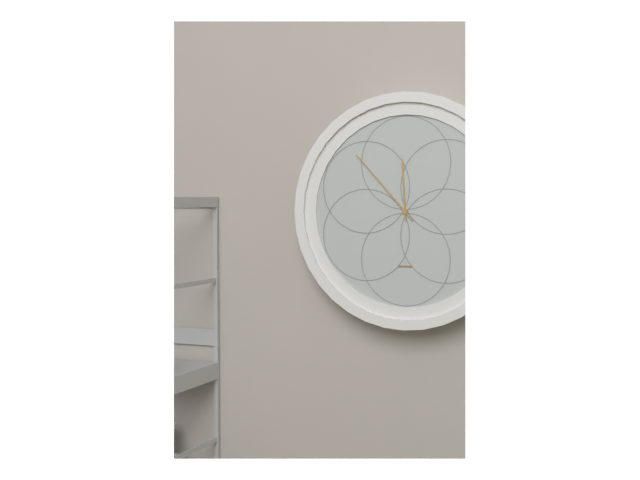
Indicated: 11,53
